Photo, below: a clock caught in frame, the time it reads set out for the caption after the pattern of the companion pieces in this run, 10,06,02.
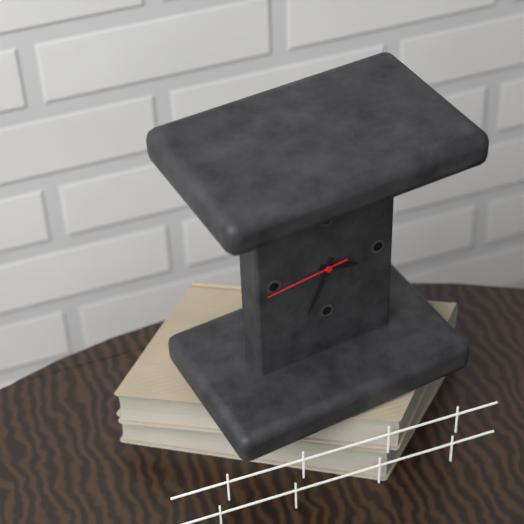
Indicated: 3,34,44
